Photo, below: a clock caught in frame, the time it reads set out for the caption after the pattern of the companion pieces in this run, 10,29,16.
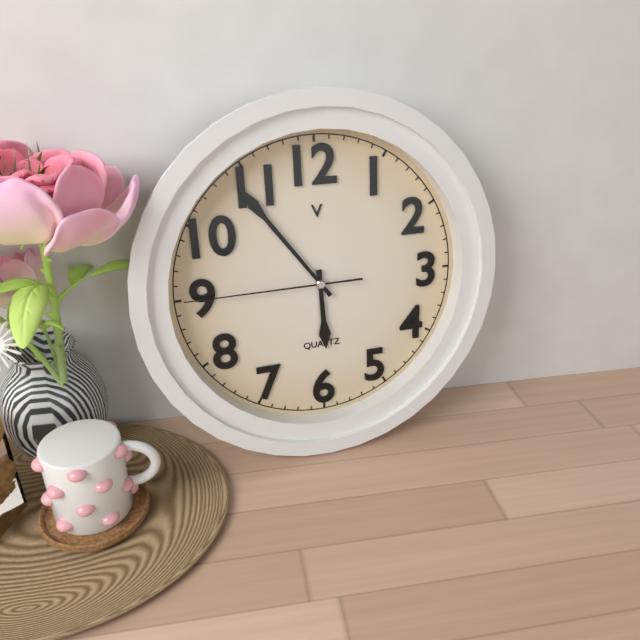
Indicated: 5,54,45
